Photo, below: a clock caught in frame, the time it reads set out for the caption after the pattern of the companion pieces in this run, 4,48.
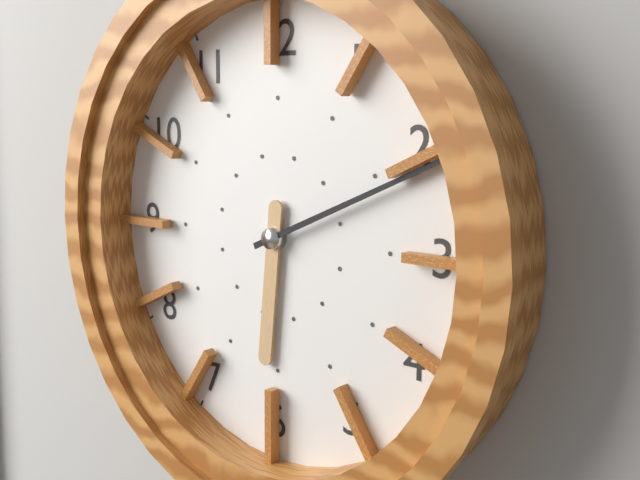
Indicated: 6,11
